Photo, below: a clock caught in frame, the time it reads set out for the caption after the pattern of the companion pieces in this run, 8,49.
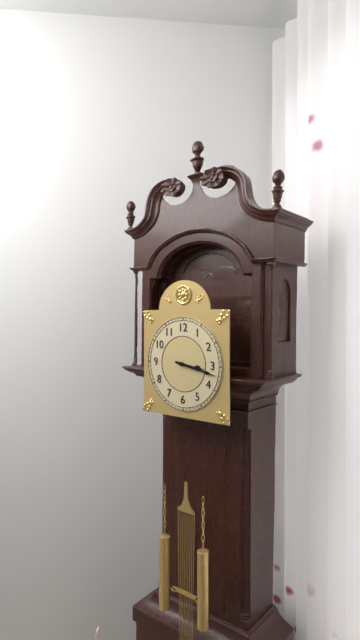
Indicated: 3,17
